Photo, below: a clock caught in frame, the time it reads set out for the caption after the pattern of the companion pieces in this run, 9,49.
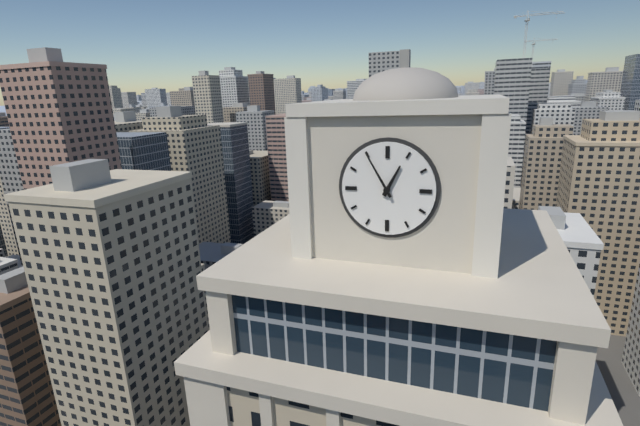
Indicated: 12,55
